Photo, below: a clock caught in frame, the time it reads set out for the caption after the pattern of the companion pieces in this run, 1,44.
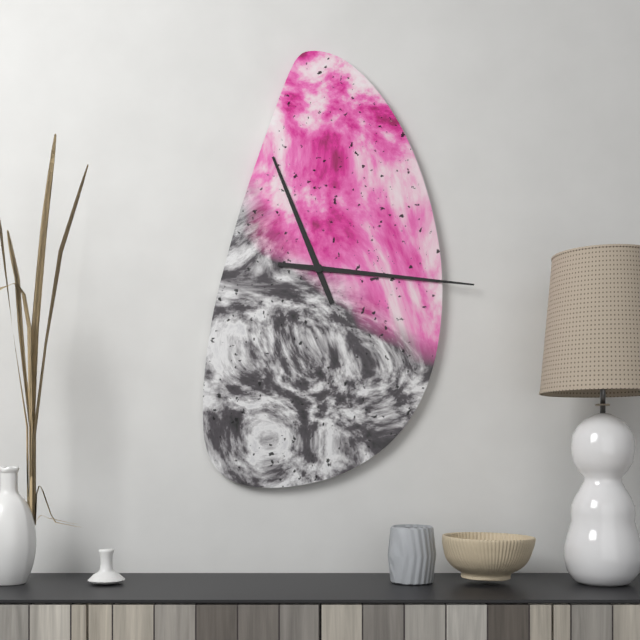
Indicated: 11,16
